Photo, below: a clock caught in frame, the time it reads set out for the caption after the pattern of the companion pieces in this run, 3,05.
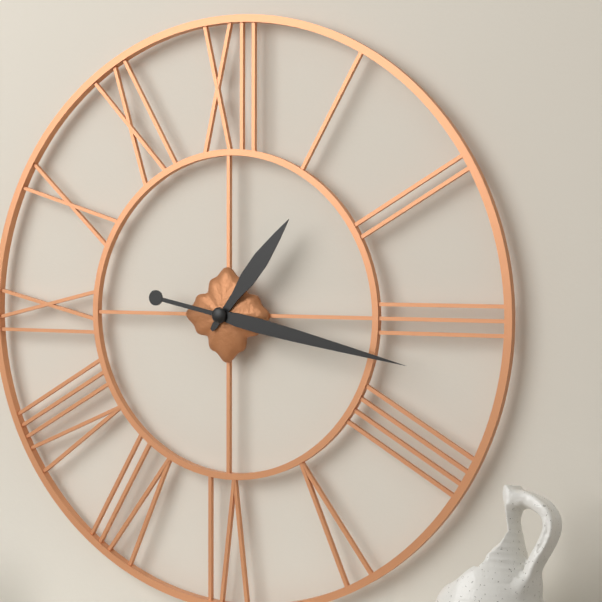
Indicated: 1,17
